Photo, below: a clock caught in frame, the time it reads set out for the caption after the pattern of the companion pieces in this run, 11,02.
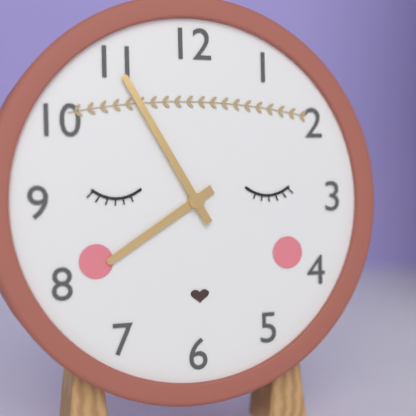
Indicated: 7,55
